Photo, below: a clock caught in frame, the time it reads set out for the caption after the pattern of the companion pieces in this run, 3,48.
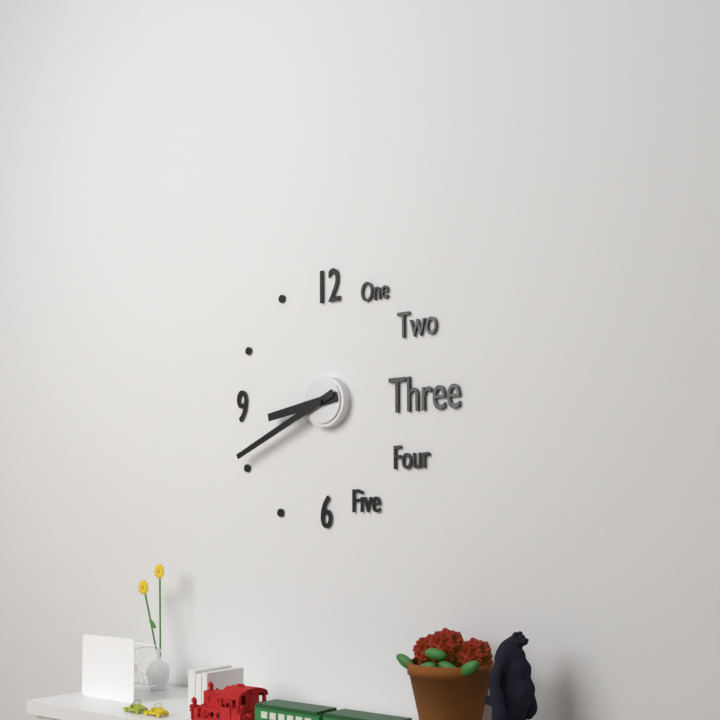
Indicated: 8,41
